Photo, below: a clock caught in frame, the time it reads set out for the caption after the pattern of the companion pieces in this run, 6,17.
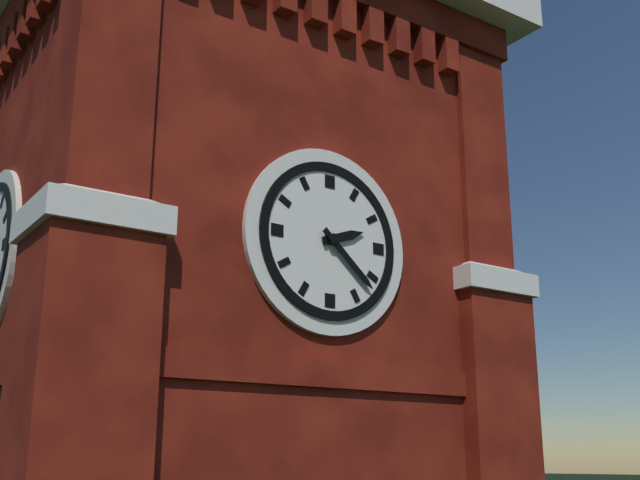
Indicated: 2,22
